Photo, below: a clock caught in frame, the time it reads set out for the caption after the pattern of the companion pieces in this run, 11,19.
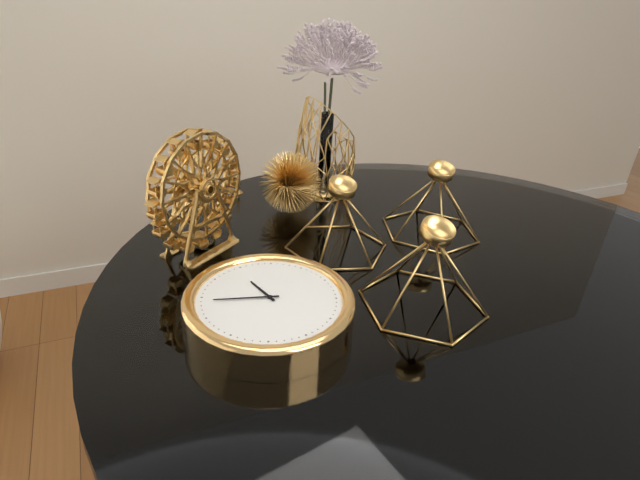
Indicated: 11,49
